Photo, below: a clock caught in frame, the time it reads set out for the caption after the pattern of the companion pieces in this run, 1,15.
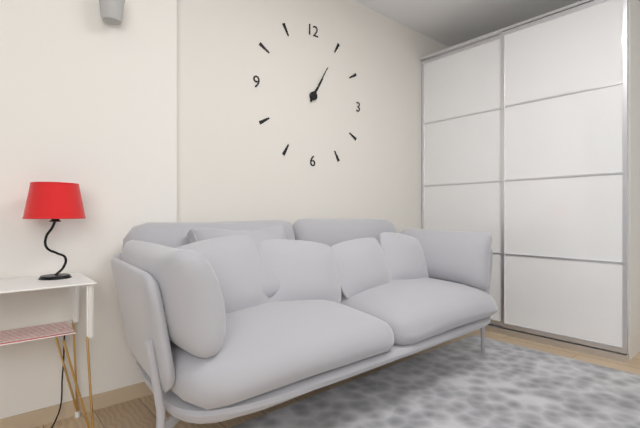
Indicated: 1,05
